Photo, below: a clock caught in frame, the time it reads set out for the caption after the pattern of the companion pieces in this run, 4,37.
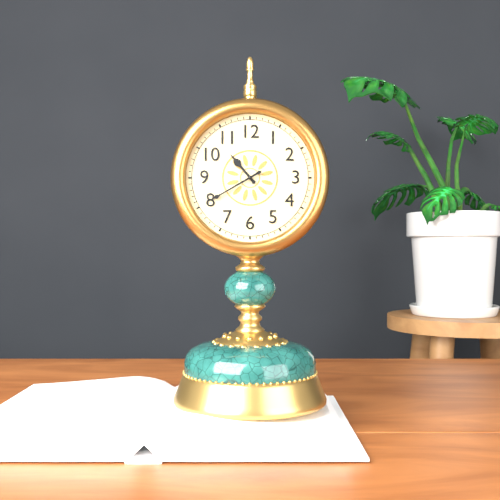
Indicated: 10,40
